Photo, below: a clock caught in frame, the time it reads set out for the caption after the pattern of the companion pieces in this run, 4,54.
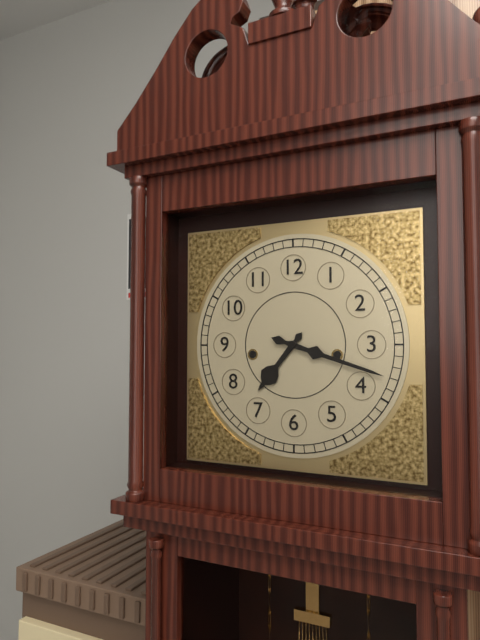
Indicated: 7,18
